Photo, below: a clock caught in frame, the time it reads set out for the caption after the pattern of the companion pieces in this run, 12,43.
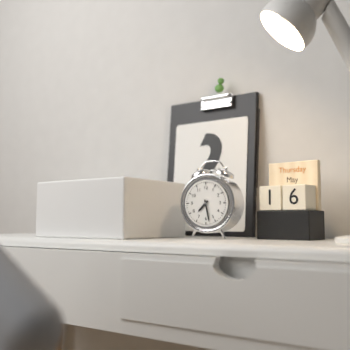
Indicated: 7,28
